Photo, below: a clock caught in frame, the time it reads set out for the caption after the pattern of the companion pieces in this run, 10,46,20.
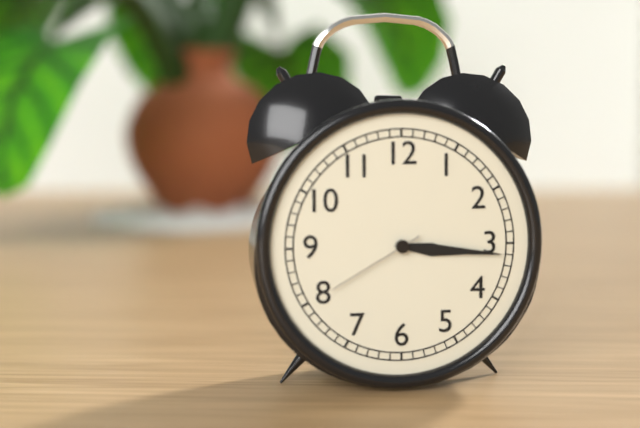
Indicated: 3,16,40
